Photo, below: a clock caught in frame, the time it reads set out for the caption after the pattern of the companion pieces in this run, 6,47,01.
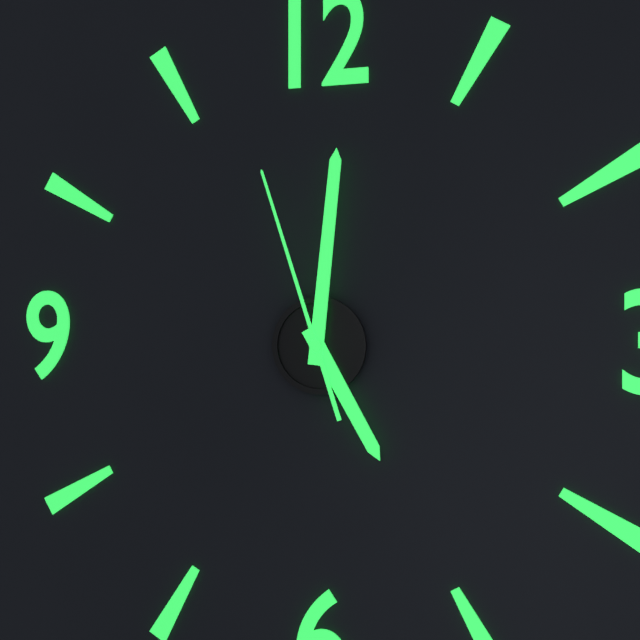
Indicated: 5,01,57
